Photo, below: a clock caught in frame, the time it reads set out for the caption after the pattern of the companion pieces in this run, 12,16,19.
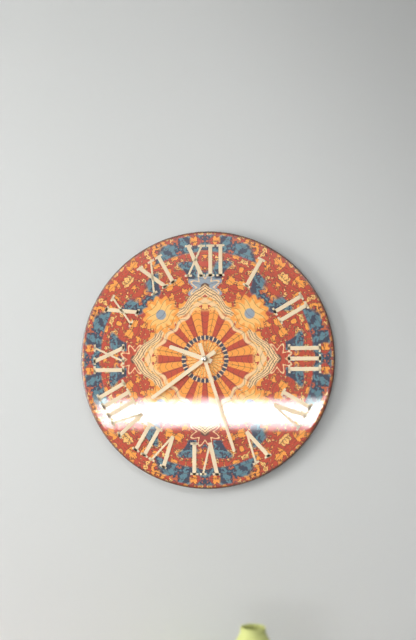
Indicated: 9,39,27
